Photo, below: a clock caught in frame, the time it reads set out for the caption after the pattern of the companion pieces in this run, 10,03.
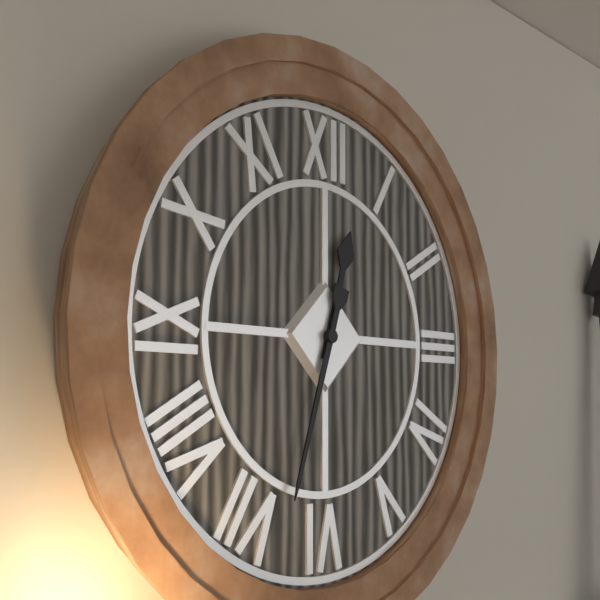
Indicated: 12,33
